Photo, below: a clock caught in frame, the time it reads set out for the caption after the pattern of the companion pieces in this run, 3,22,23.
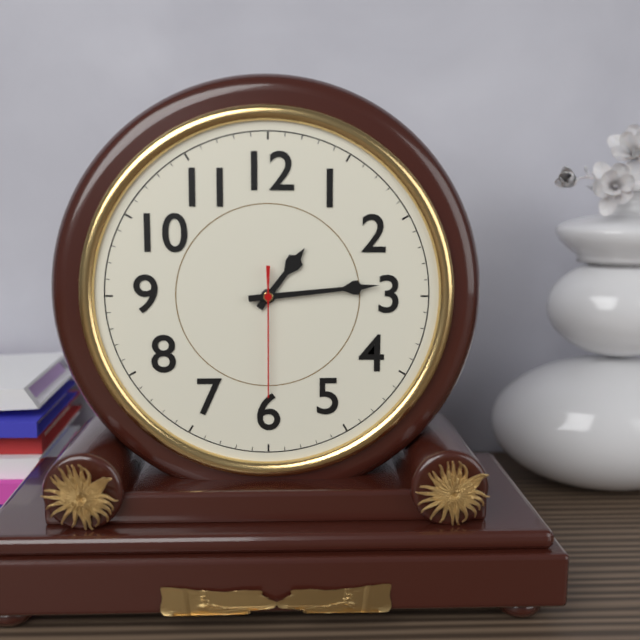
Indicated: 1,14,30
